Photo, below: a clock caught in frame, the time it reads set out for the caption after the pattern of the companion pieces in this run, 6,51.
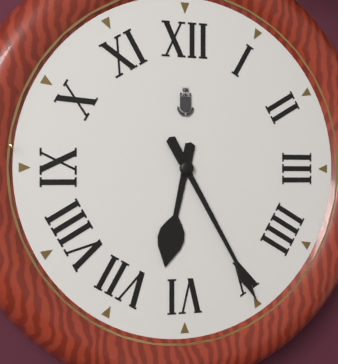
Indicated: 6,25
